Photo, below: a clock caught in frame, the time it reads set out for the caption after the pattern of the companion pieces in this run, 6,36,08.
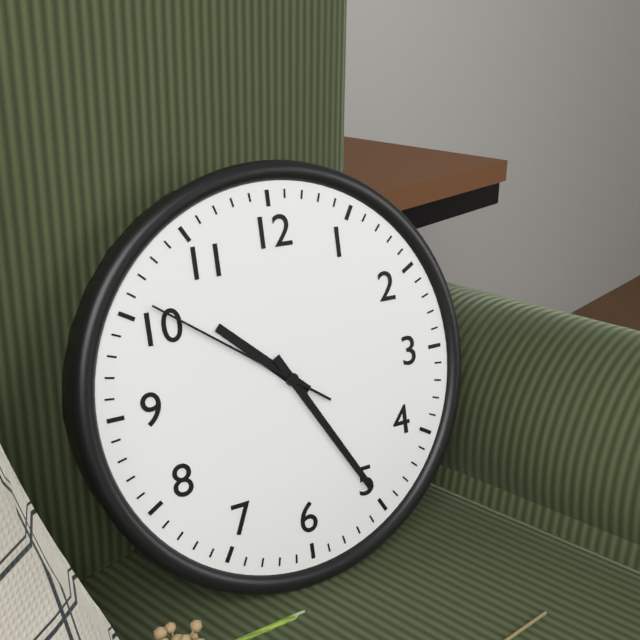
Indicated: 10,25,51
